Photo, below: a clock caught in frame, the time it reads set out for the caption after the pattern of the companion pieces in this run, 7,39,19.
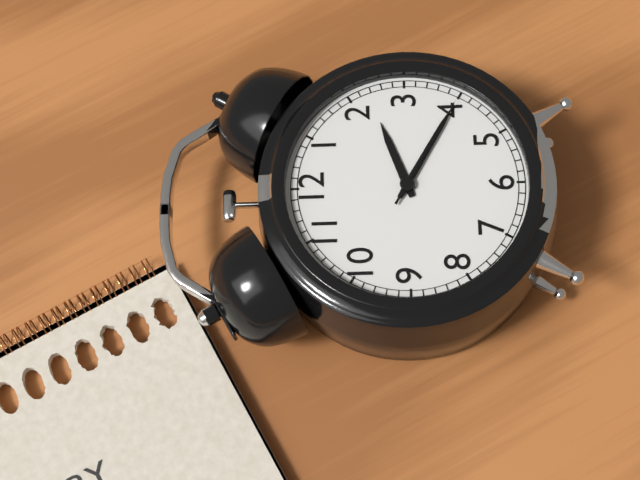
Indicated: 2,20,20
